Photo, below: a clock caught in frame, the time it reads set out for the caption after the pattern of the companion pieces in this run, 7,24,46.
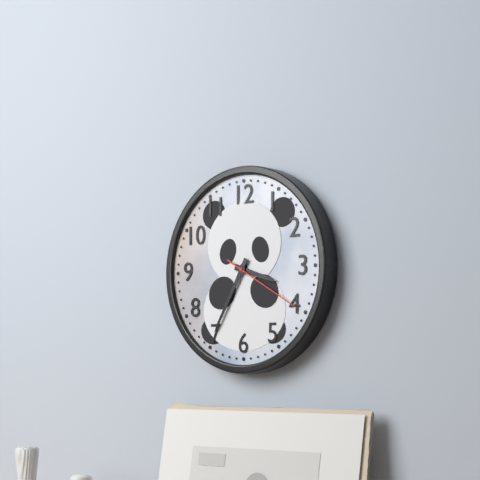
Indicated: 3,35,20
